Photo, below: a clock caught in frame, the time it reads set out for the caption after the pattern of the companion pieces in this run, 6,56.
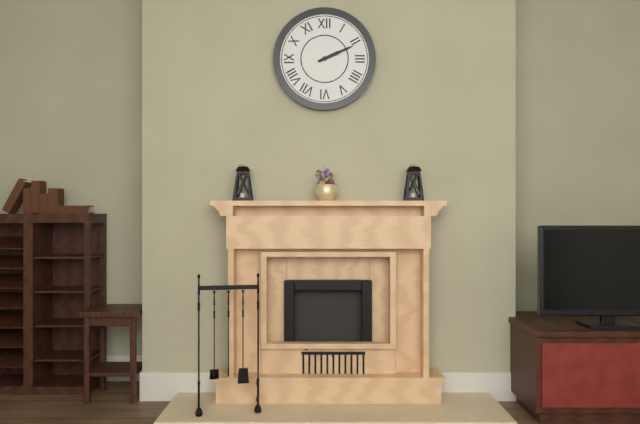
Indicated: 2,11
